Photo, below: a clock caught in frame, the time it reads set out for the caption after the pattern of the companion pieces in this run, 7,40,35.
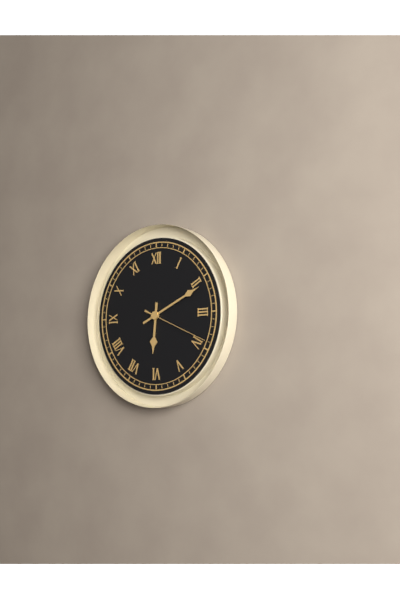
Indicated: 6,11,19
